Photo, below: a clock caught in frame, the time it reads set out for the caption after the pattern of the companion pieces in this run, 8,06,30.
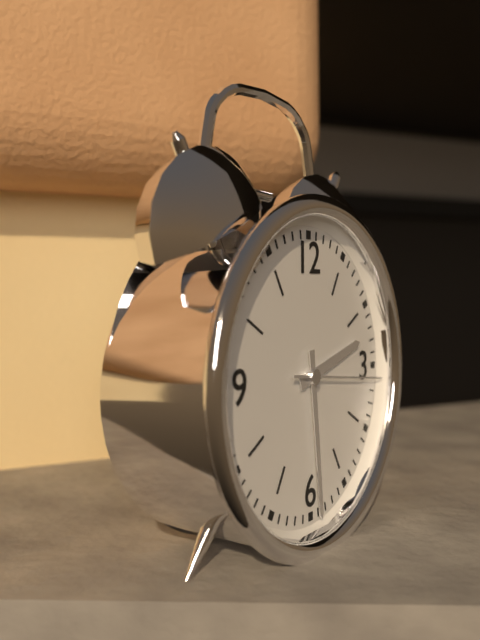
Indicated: 2,29,16
